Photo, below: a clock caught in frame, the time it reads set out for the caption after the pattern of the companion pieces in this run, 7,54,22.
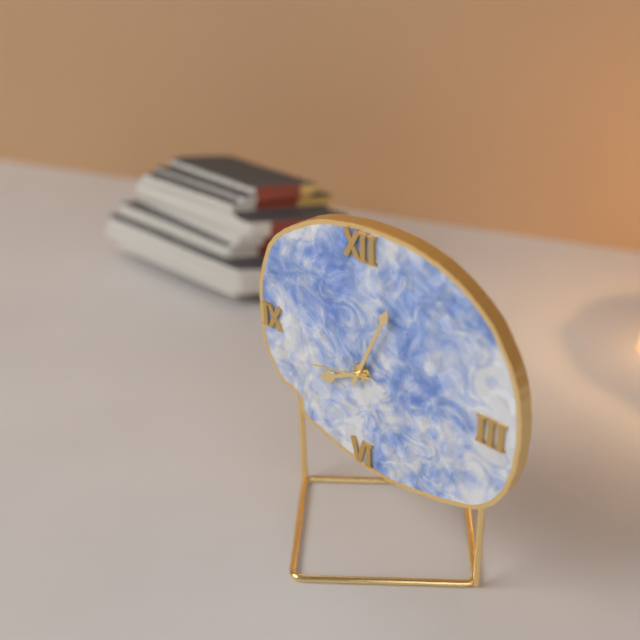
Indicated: 8,04,43
